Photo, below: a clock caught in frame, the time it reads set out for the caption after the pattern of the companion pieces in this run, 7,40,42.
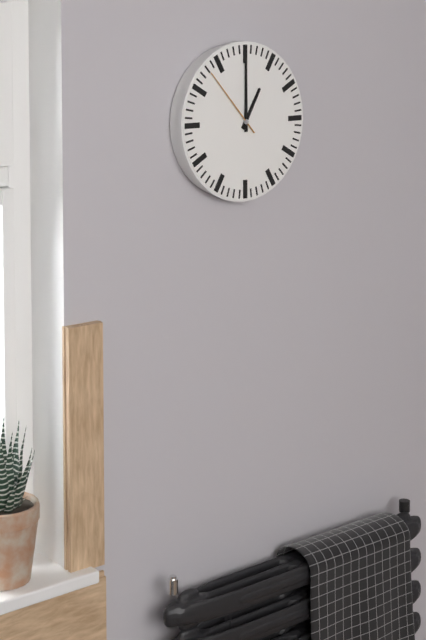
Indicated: 1,00,53
